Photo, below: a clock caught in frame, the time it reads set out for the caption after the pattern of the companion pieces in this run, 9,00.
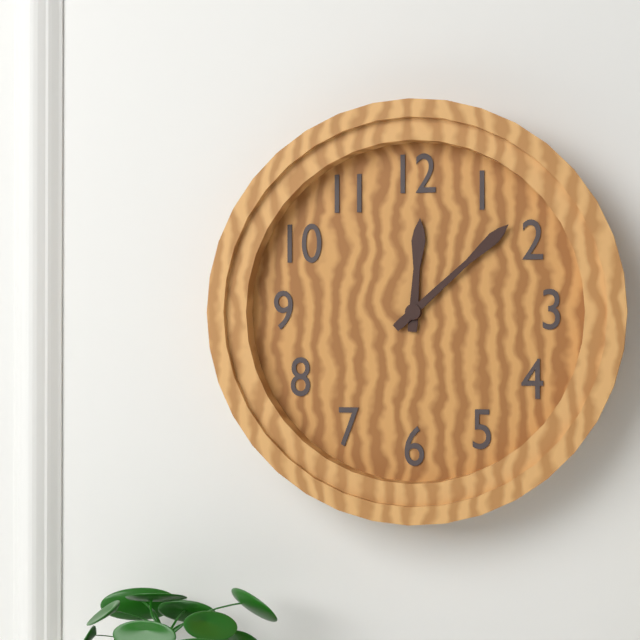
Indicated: 12,08
